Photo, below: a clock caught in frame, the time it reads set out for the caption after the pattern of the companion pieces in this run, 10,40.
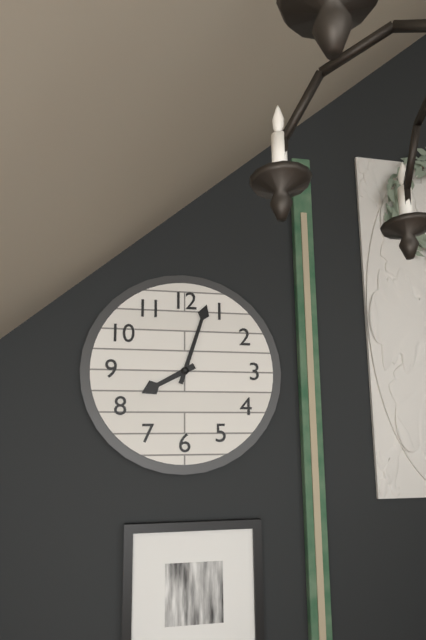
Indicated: 8,03
